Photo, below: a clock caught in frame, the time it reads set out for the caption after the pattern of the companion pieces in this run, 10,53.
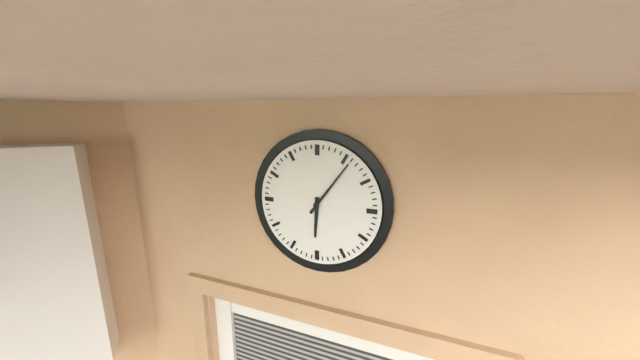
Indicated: 6,06
